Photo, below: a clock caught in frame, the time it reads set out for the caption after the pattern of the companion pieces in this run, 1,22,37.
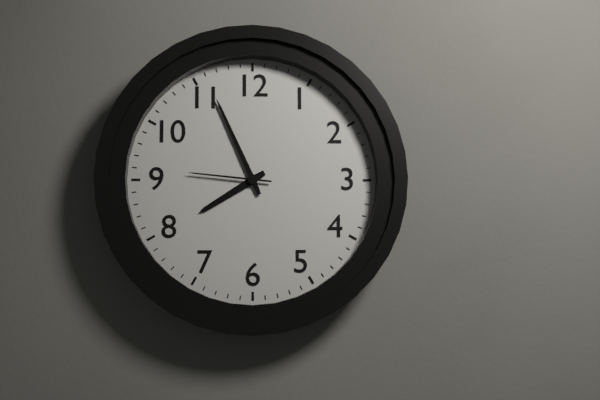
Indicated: 7,56,46
